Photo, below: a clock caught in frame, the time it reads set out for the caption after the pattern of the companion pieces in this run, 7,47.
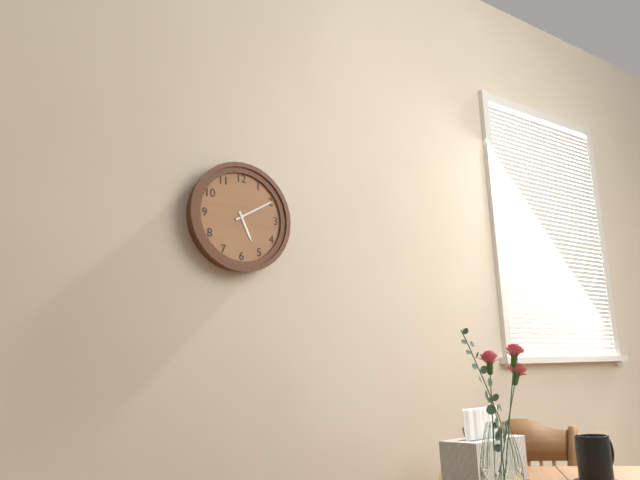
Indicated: 5,10
